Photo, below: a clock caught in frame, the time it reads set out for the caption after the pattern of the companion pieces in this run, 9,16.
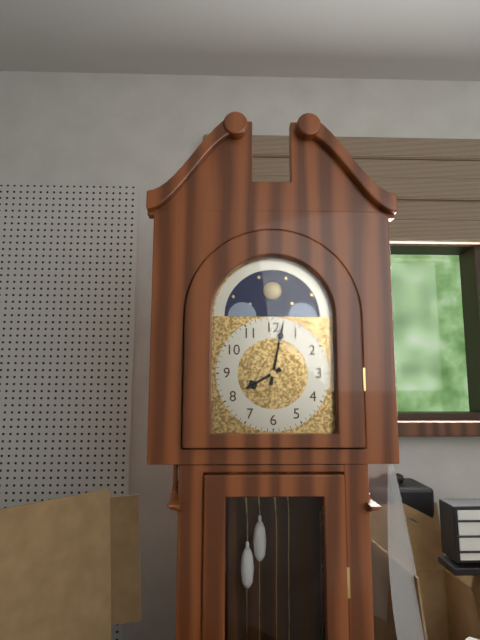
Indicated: 8,02
